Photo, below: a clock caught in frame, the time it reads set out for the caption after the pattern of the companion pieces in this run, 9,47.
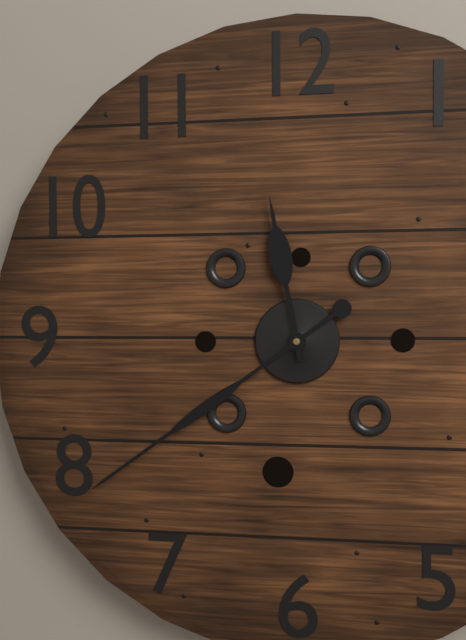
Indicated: 11,39
